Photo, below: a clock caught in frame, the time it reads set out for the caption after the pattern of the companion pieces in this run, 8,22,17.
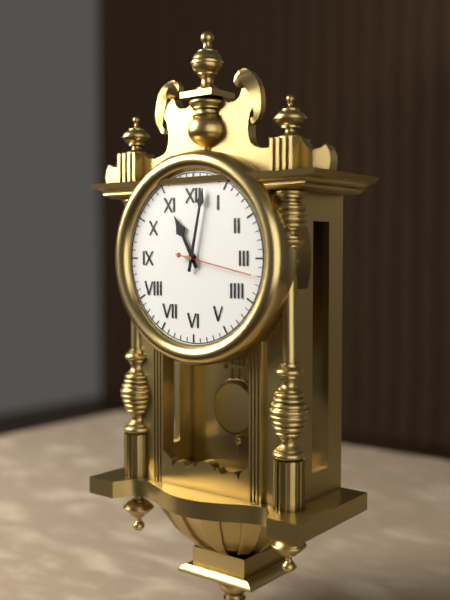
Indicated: 11,02,17
